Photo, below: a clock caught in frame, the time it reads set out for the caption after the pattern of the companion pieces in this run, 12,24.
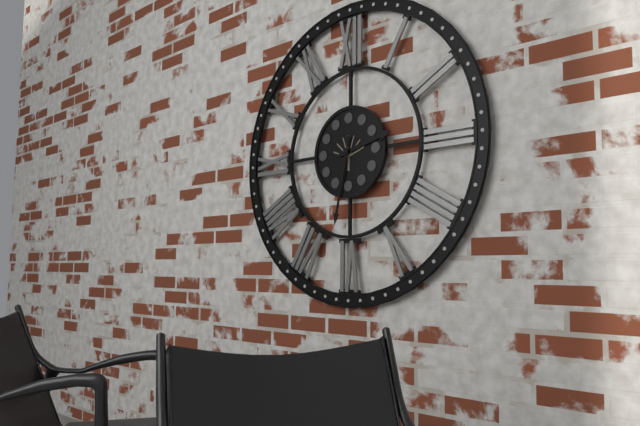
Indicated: 2,32
